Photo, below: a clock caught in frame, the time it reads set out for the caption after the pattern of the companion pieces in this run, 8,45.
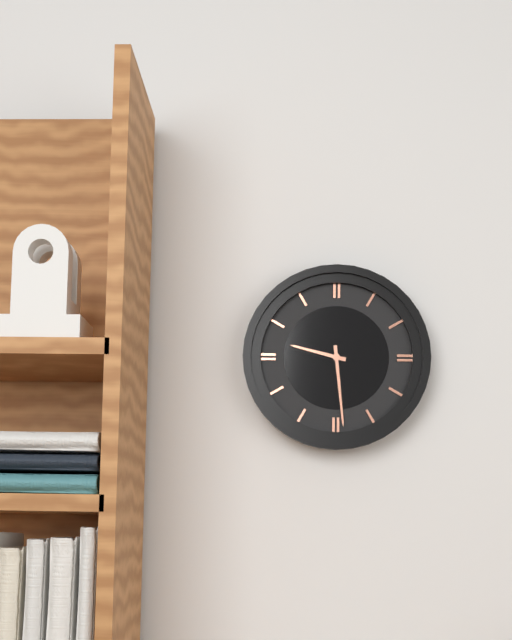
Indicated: 9,29
